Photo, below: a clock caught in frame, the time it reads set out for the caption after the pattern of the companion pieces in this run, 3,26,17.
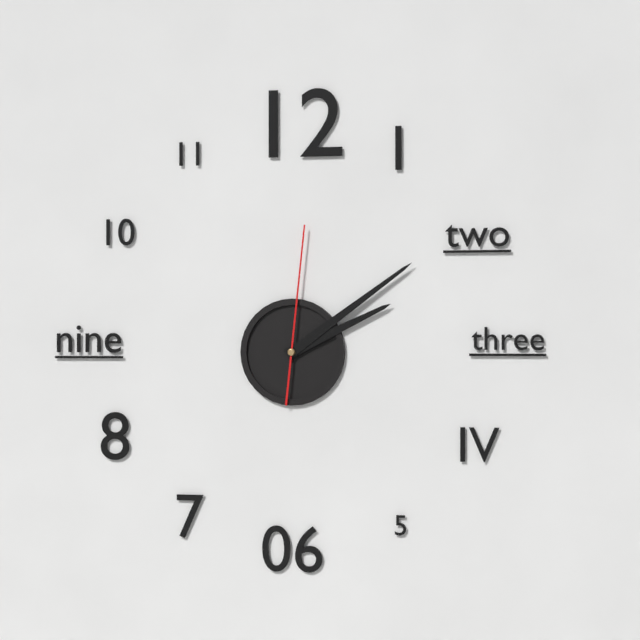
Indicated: 2,09,01
